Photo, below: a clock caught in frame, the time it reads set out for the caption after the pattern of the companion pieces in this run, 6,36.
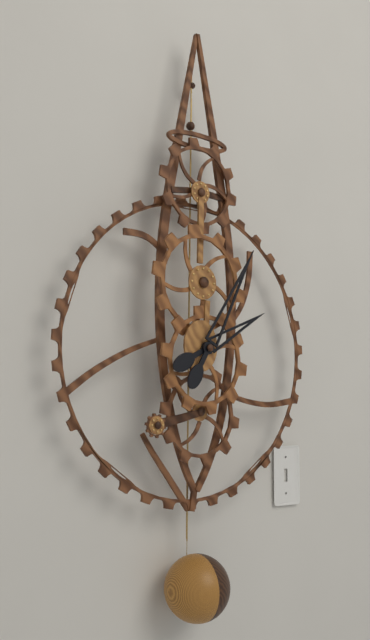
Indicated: 2,05
